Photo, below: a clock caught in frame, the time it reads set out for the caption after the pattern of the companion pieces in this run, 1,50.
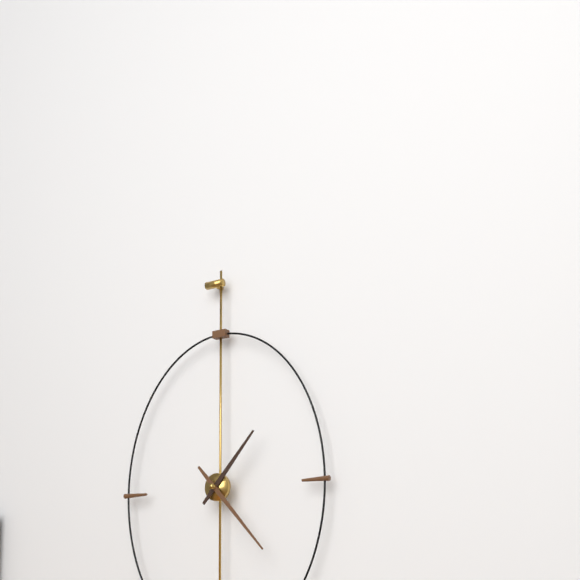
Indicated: 1,23
